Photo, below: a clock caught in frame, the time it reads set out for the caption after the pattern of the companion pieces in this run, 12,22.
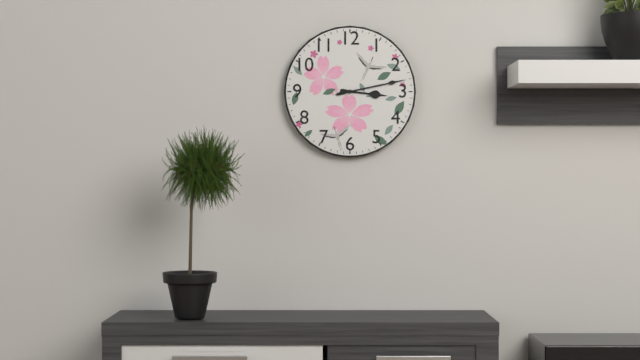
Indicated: 3,13
